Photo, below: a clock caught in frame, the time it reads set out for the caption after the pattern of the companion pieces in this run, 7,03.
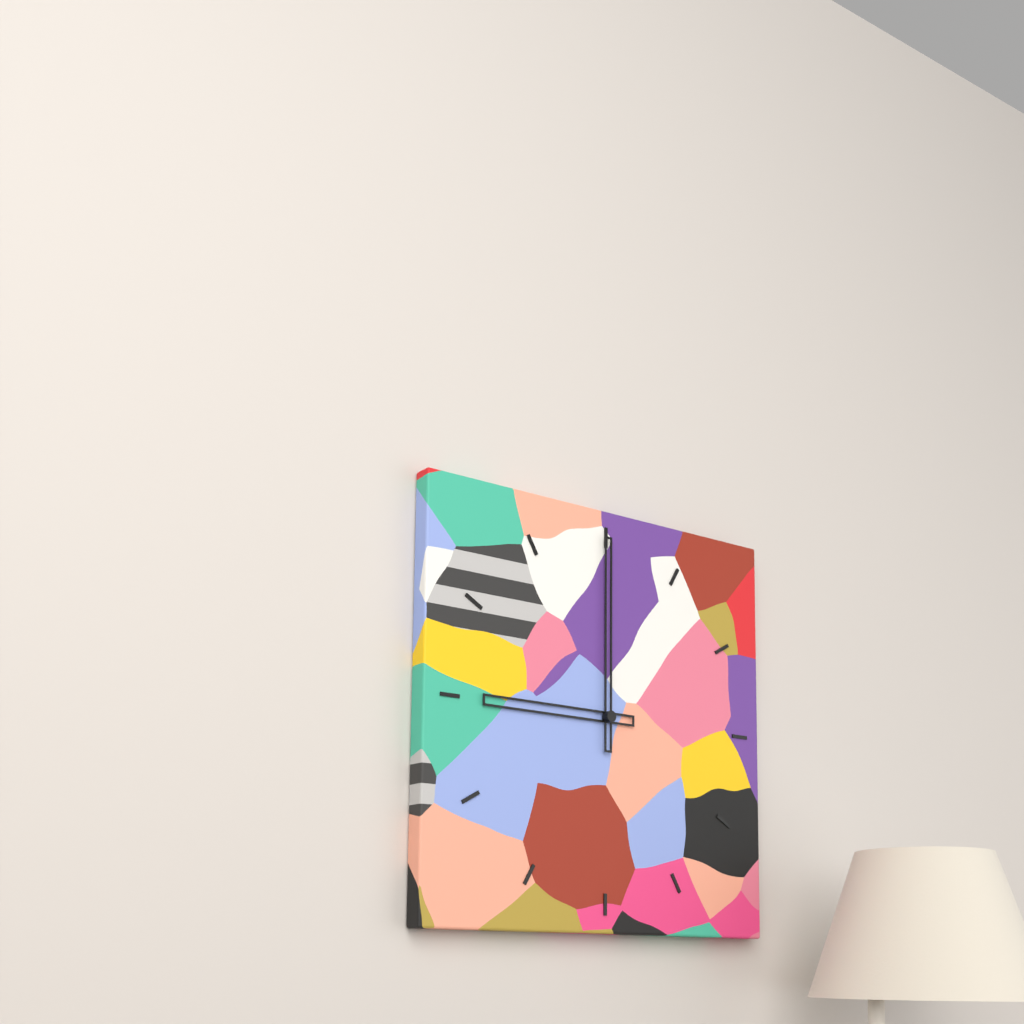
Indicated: 9,00
